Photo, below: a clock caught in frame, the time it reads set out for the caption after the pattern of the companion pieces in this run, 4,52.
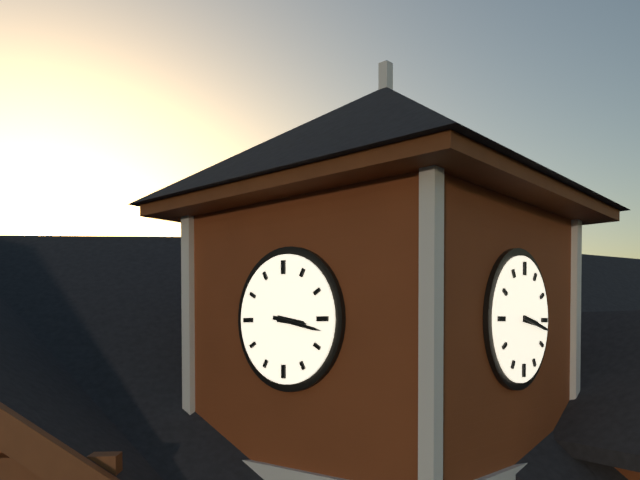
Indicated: 3,17
